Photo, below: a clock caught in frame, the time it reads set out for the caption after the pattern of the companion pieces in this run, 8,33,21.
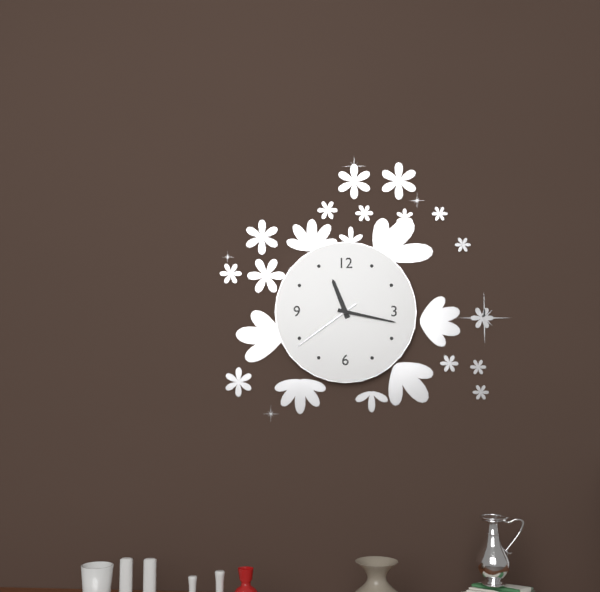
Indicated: 11,17,39
